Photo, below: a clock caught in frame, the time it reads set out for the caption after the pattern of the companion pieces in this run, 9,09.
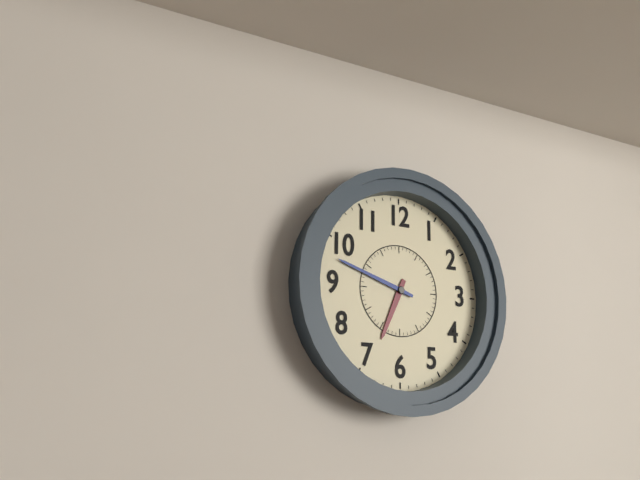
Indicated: 6,48
